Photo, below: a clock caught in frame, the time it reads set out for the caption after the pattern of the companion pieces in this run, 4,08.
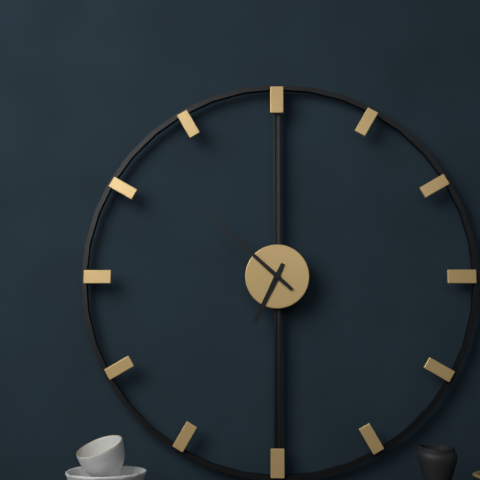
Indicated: 6,52
